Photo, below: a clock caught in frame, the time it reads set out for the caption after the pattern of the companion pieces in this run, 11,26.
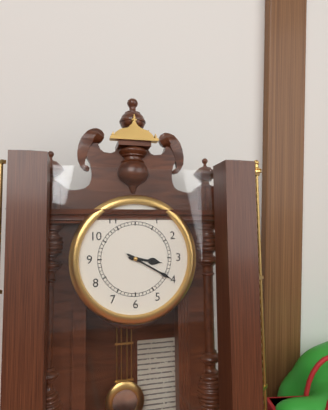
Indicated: 3,20
